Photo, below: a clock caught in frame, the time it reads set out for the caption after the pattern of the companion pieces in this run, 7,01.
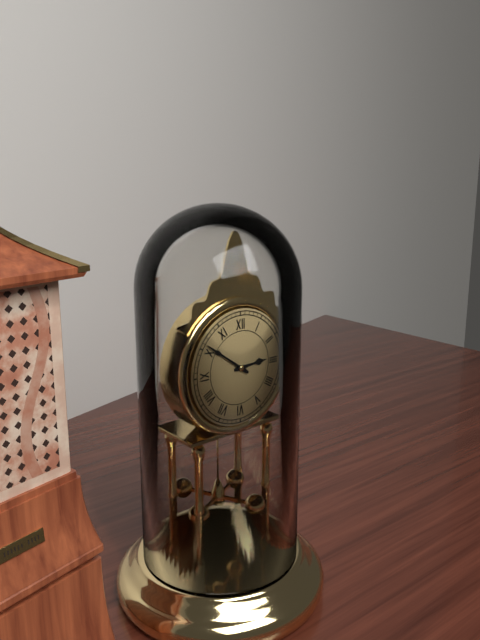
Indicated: 2,51
